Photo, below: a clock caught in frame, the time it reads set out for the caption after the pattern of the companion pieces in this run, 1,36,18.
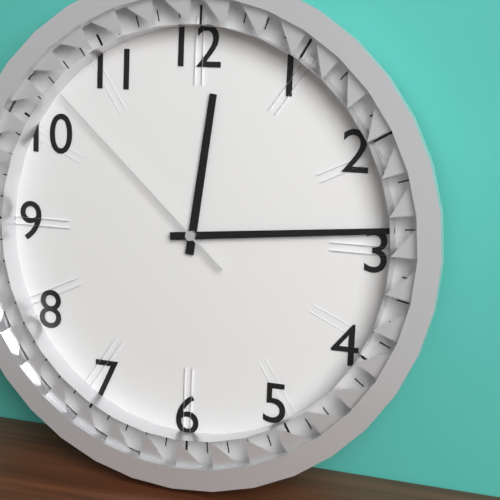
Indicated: 12,14,52
